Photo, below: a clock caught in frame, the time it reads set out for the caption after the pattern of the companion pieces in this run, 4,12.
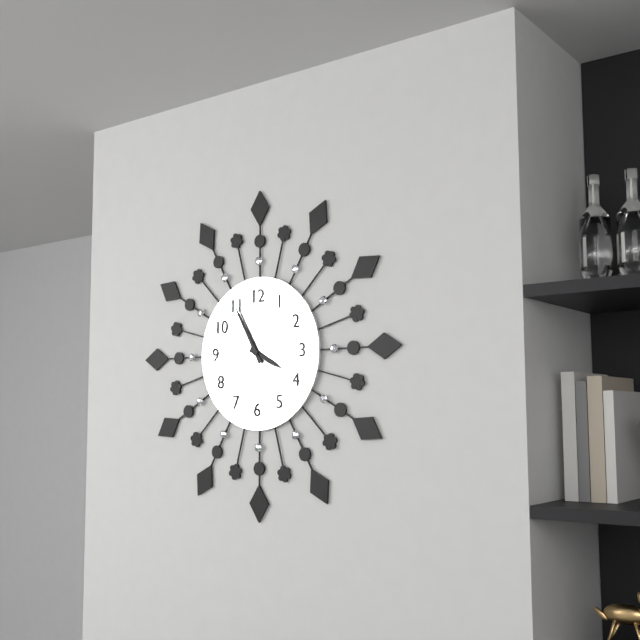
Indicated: 3,55
